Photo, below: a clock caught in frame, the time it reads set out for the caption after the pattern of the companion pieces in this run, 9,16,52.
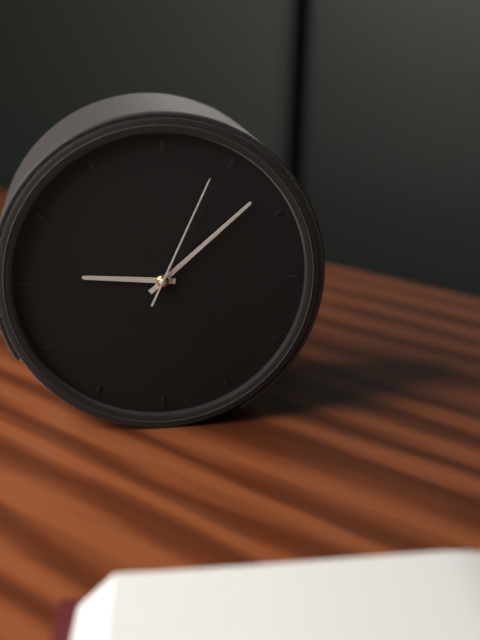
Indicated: 9,08,04
